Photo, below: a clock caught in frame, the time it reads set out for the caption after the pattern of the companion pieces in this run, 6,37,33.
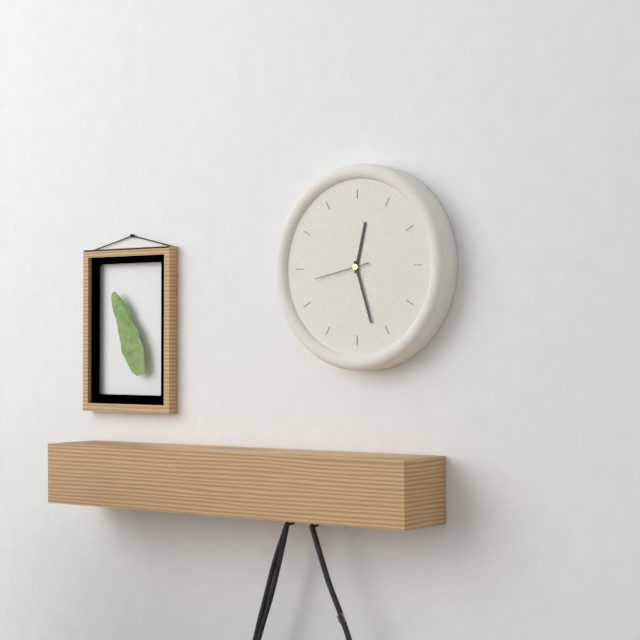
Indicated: 12,27,43
